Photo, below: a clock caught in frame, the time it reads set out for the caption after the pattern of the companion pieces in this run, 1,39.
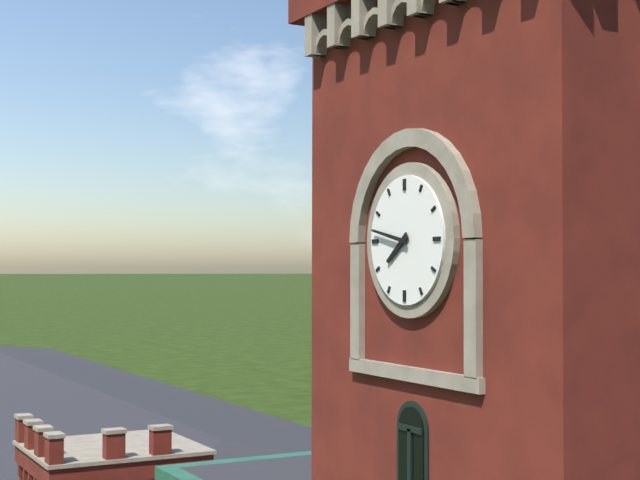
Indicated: 7,47
